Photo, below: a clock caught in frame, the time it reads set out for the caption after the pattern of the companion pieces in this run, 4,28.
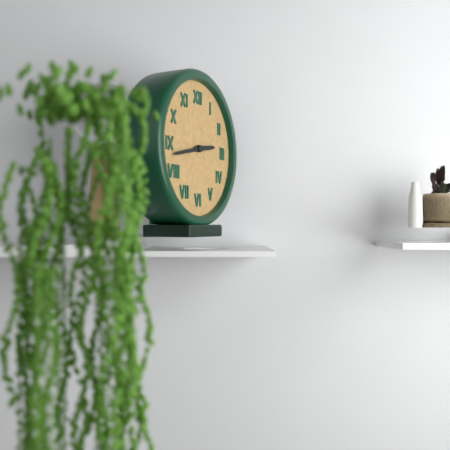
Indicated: 2,43
